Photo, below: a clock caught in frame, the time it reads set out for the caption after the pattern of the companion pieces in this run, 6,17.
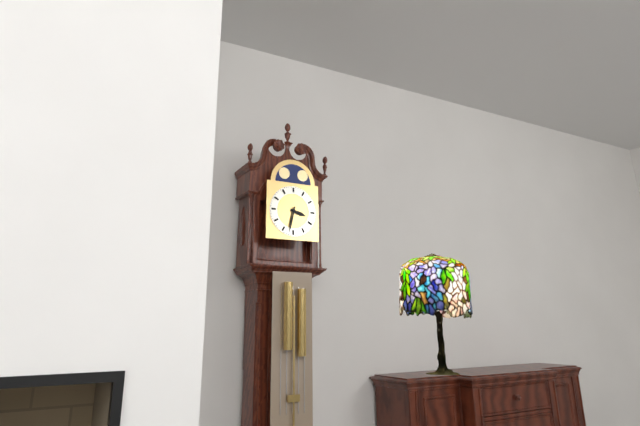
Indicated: 3,32
